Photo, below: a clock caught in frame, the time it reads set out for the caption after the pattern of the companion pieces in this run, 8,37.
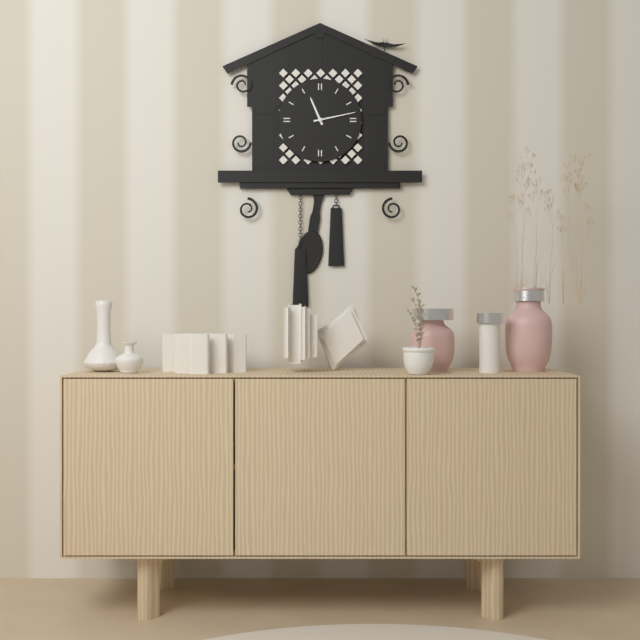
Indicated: 11,13
